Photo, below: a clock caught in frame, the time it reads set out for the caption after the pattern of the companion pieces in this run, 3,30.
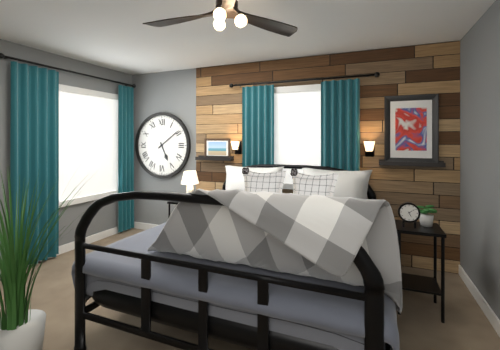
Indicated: 5,09
